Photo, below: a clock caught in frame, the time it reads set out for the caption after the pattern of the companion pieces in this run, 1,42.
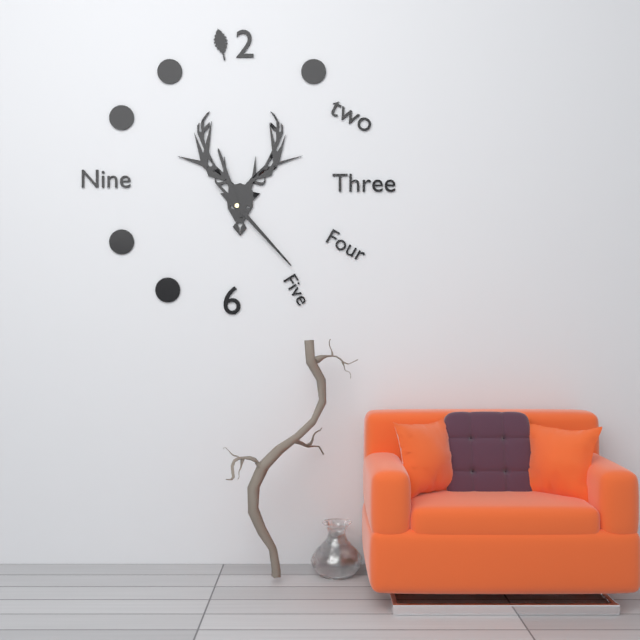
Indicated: 11,23
